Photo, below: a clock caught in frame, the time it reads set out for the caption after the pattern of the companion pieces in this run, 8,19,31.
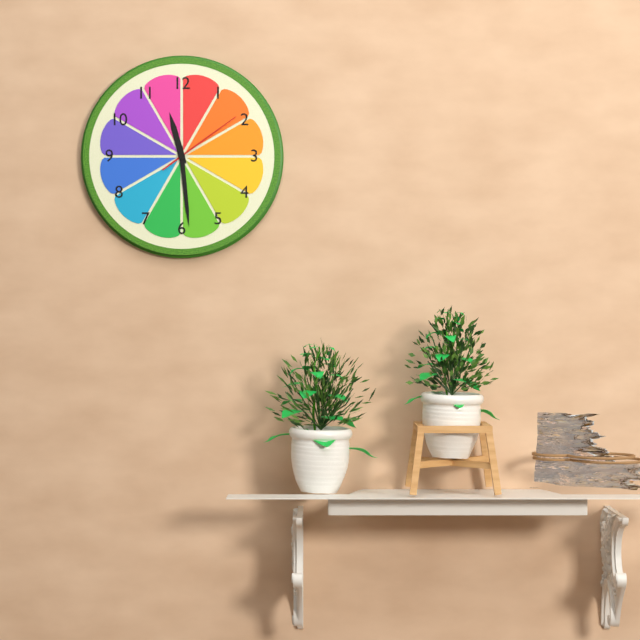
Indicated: 11,29,09
